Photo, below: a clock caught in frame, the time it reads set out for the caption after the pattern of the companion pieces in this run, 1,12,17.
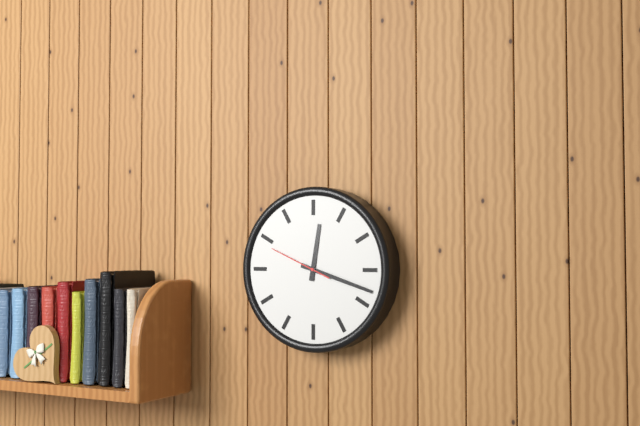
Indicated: 12,18,49
